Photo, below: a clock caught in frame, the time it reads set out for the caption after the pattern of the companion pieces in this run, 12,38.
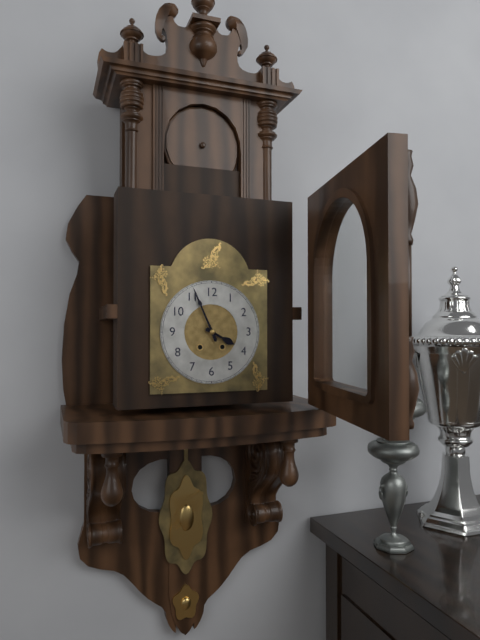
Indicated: 3,56
